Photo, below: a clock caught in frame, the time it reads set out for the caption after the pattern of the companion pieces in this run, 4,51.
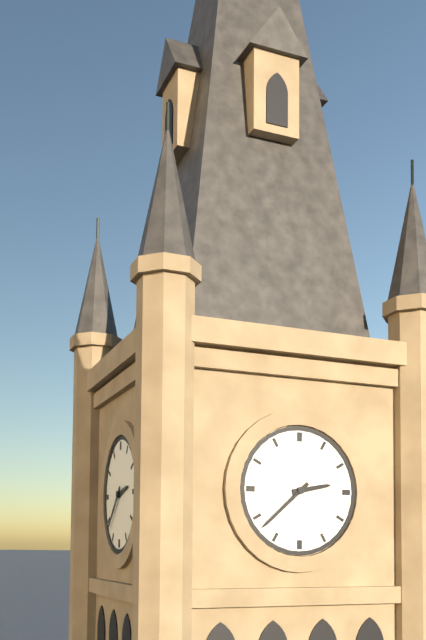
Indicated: 2,38
